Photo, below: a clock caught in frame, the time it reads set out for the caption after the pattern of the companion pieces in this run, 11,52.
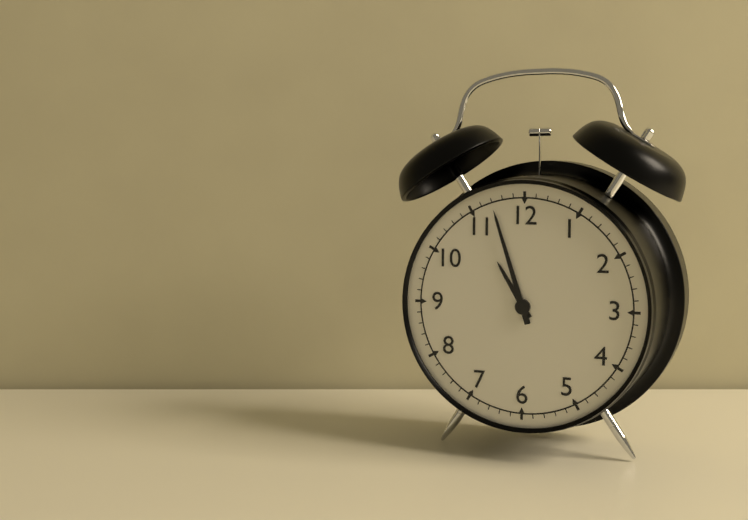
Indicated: 10,57
